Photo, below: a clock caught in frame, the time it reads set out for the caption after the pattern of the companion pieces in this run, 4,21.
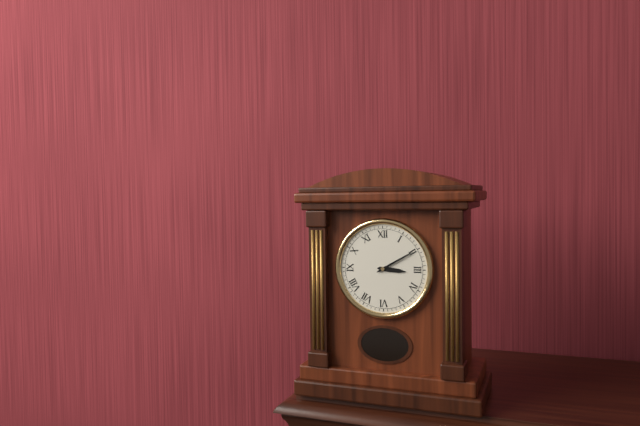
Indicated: 3,10
